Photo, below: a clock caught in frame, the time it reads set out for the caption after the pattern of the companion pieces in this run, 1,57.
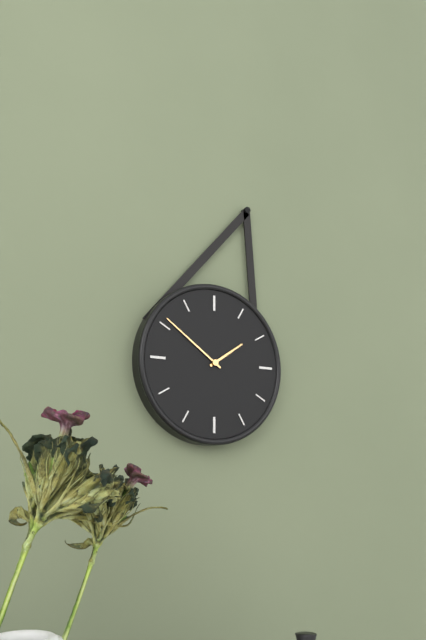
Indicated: 1,51
